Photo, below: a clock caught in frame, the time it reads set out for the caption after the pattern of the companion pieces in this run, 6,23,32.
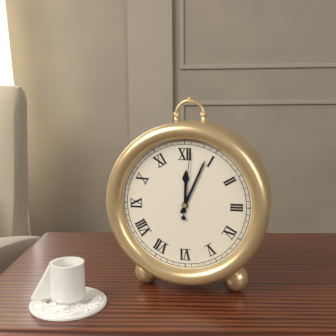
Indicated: 12,04,01
